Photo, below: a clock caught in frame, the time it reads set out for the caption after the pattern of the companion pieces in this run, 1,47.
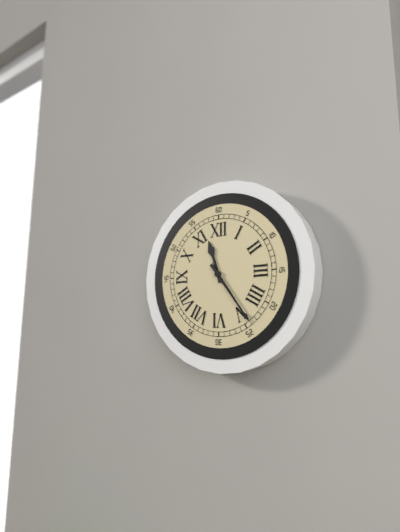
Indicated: 11,24
